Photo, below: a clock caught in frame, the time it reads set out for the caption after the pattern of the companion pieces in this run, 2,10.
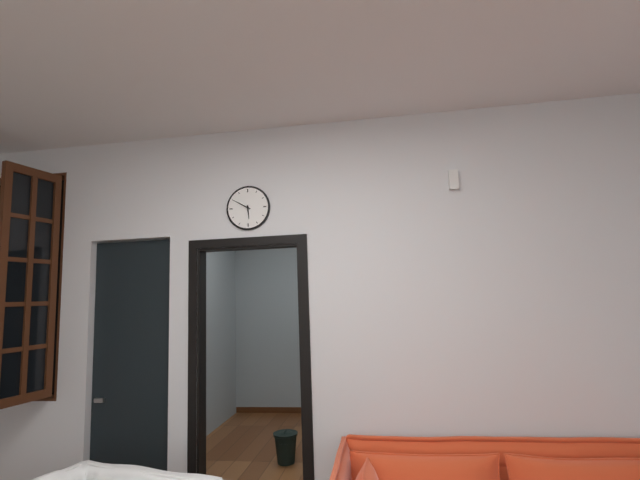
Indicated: 5,50
